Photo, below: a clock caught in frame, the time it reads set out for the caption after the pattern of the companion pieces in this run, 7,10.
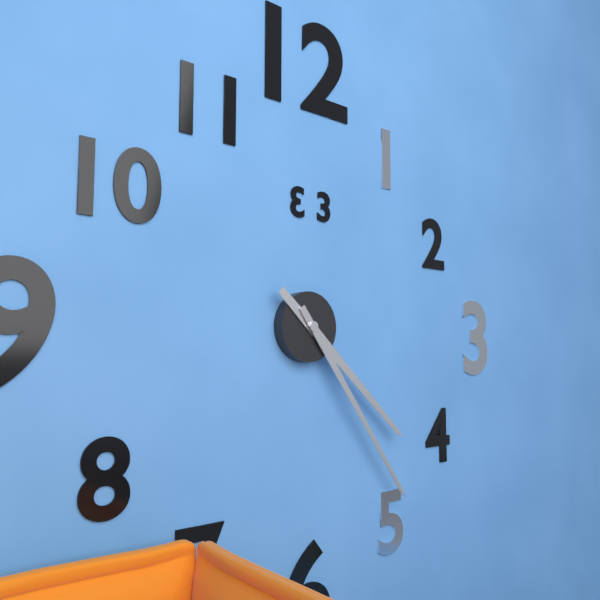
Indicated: 4,24
